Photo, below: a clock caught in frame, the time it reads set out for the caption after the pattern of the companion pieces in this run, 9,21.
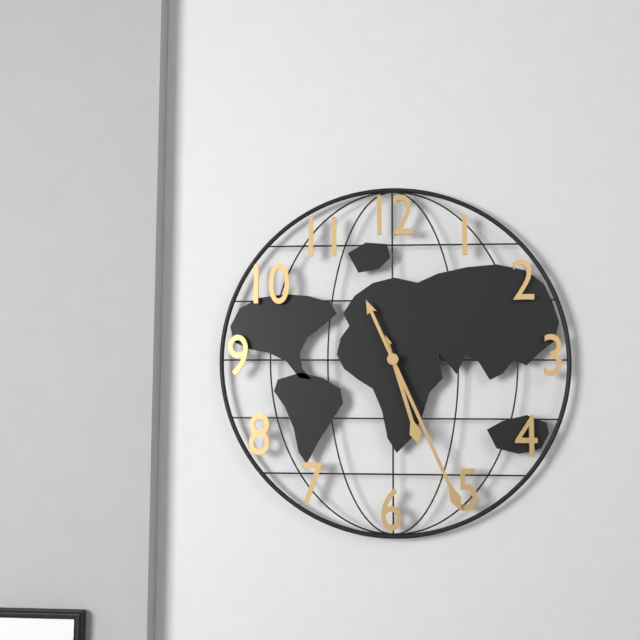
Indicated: 5,26
